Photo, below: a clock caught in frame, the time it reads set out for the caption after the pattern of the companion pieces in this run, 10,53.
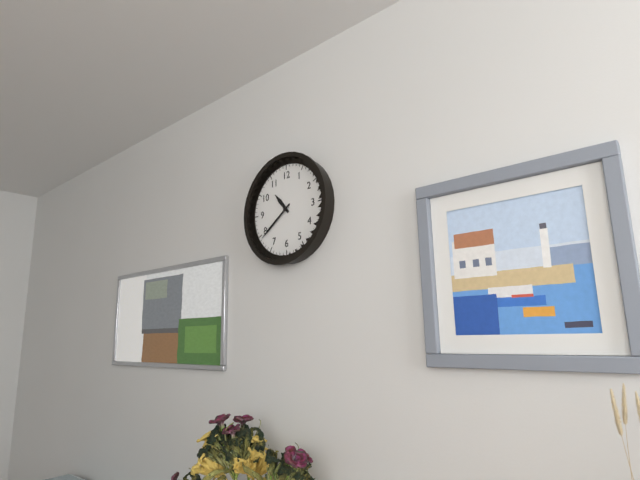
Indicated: 10,39
